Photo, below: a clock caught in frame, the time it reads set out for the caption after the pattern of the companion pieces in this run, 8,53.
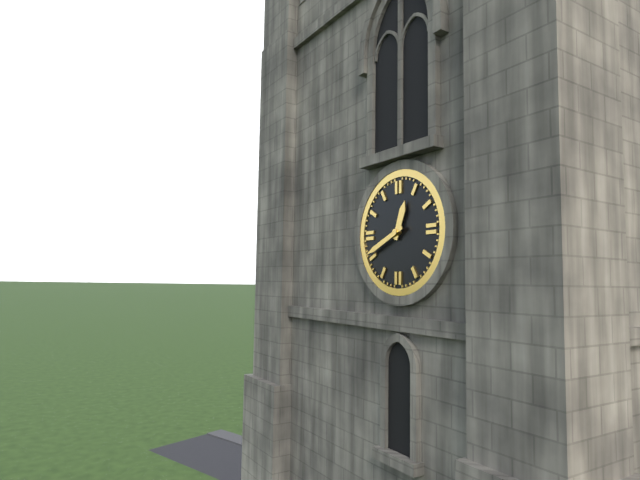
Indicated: 12,41
